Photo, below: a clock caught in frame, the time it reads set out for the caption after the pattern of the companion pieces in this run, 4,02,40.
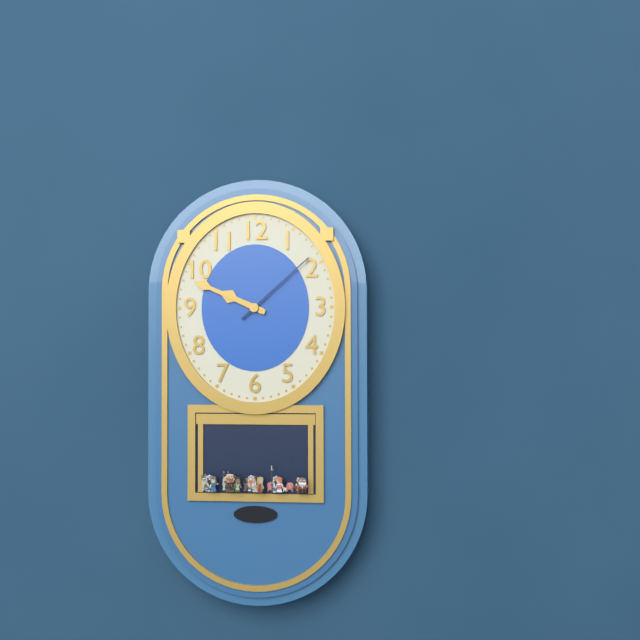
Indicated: 9,49,08
